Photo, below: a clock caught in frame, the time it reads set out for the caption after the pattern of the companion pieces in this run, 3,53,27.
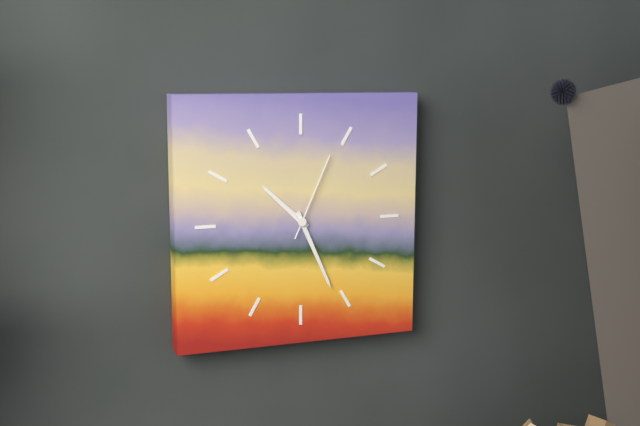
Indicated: 10,26,04
